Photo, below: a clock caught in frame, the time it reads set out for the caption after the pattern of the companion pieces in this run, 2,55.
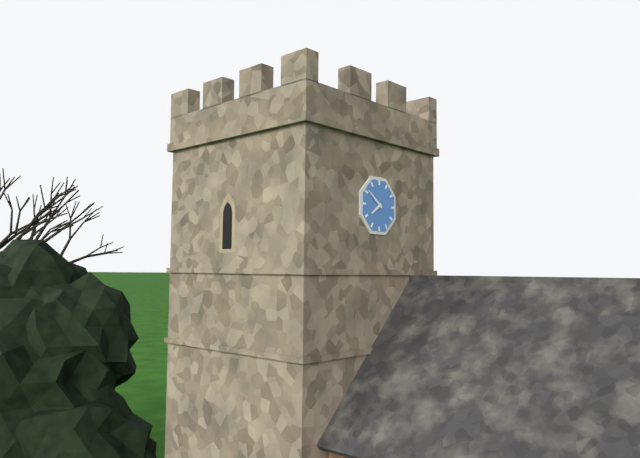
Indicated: 7,51
